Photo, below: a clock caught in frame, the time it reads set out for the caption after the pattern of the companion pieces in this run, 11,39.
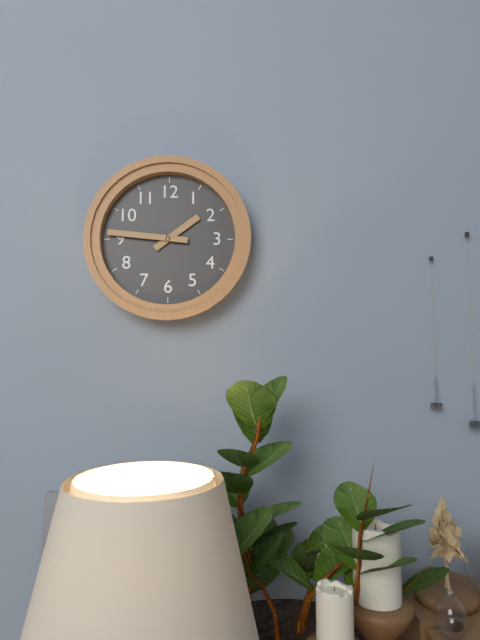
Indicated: 1,46
